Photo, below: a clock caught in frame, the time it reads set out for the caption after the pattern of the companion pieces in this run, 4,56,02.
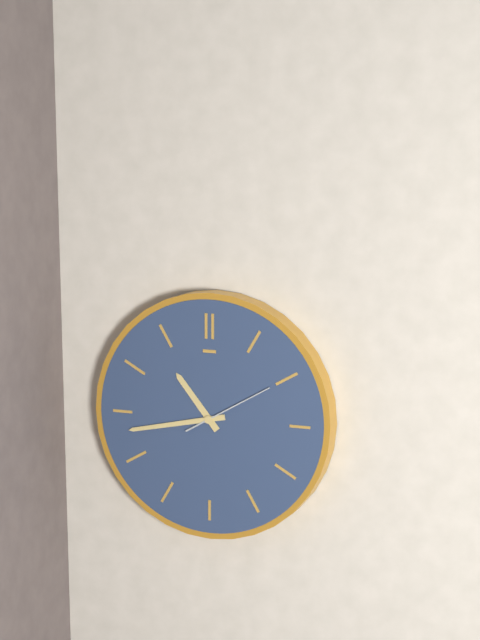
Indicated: 10,43,10
